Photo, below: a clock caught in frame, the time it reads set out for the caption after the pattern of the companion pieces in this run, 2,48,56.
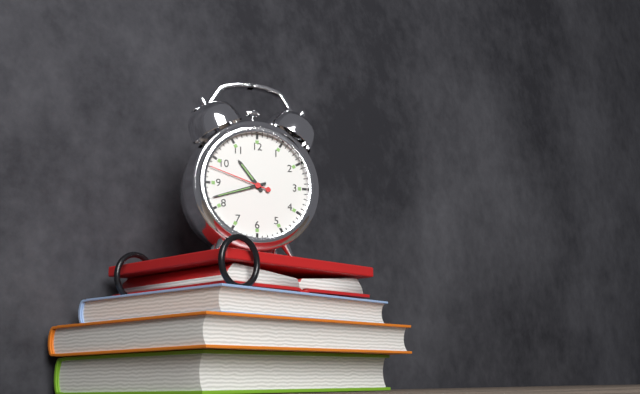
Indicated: 10,42,48
